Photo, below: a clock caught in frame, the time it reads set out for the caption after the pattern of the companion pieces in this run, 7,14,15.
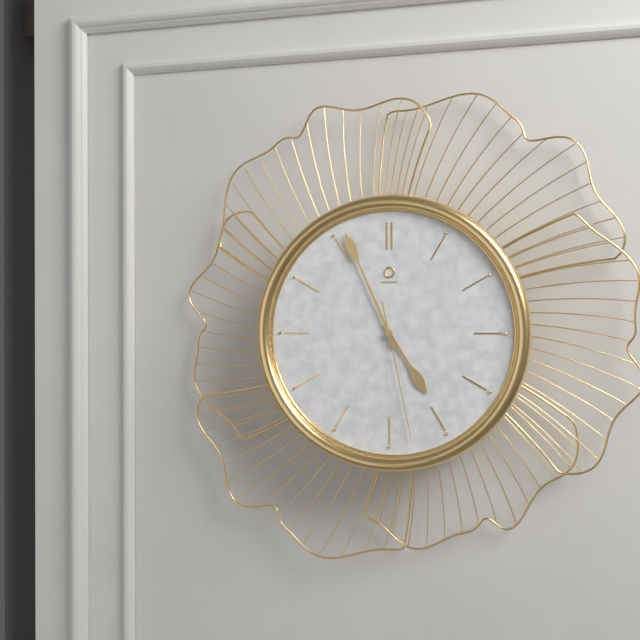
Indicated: 4,56,28
